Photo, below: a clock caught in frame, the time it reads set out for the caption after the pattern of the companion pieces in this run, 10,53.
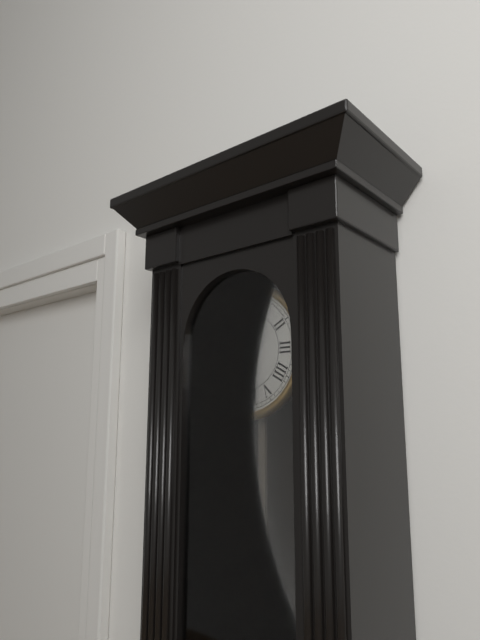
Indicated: 8,28
